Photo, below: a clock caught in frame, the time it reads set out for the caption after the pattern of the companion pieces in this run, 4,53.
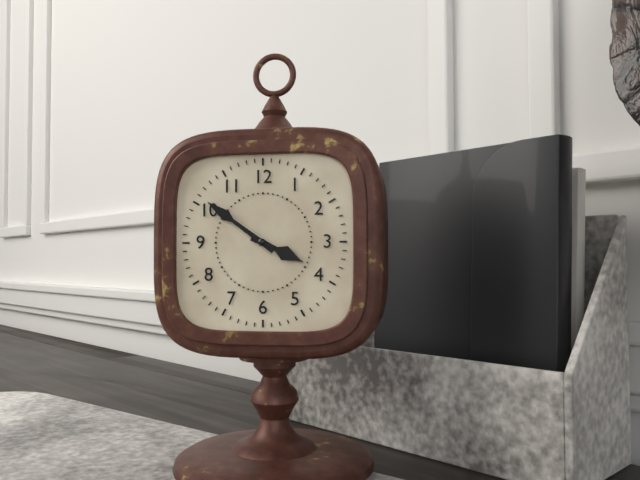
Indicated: 3,51
